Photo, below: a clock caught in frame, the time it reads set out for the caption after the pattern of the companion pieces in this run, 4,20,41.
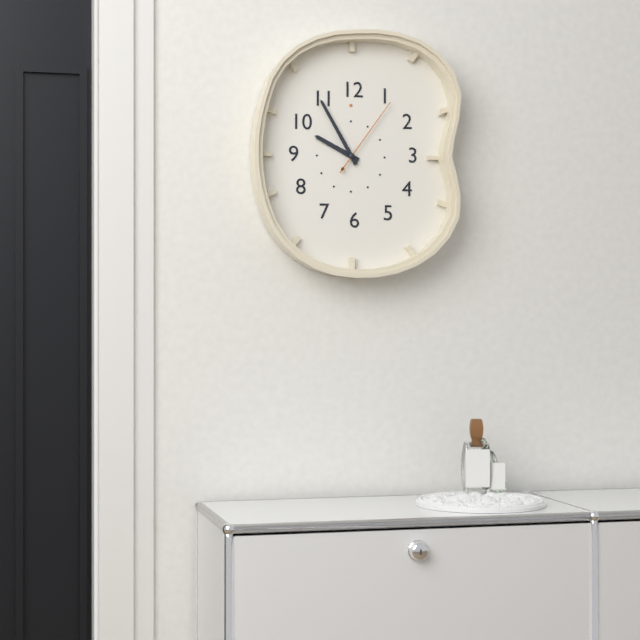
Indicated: 9,55,06
